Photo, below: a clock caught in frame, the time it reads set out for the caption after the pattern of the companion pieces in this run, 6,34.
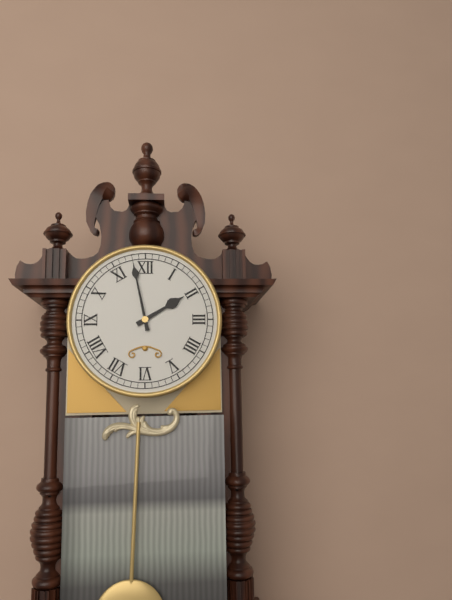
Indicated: 1,58
